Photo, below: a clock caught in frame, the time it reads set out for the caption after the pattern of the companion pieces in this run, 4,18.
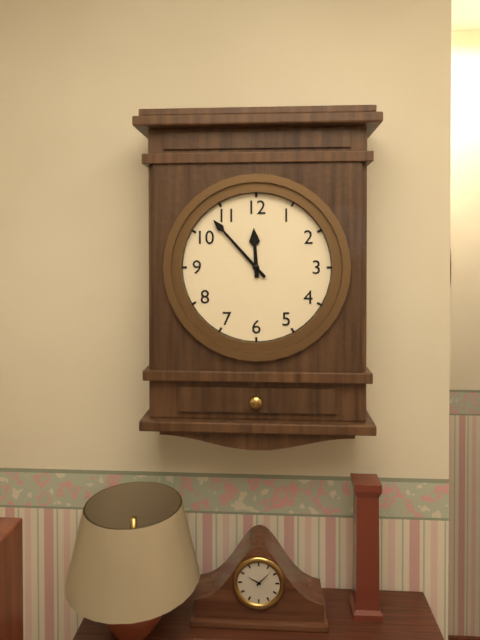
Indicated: 11,53
